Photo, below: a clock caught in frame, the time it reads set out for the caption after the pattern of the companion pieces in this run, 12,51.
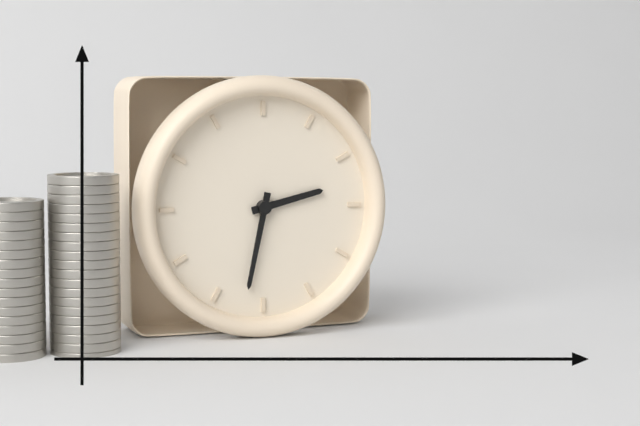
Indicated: 2,32
